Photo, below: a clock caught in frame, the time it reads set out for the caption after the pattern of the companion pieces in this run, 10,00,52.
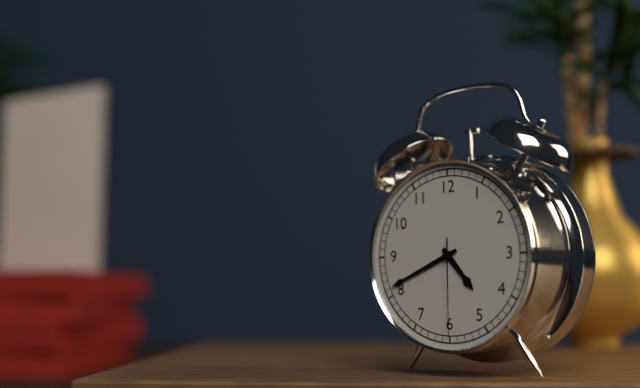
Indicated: 4,41,30
